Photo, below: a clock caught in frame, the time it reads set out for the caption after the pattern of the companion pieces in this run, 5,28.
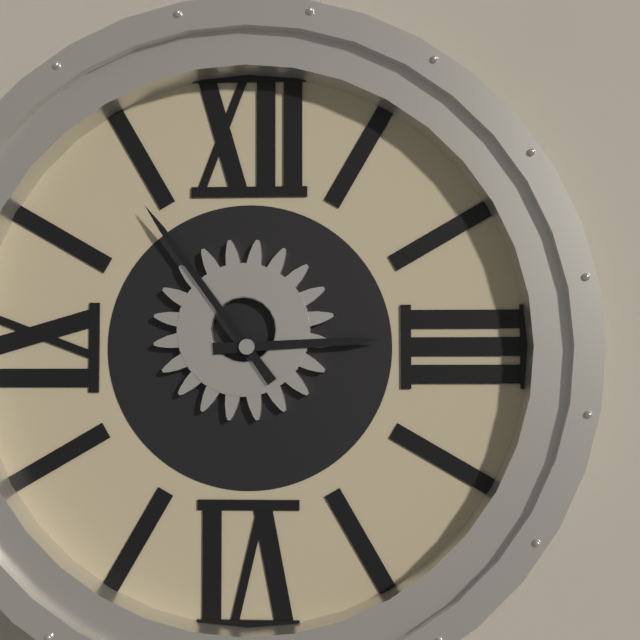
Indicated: 2,54
